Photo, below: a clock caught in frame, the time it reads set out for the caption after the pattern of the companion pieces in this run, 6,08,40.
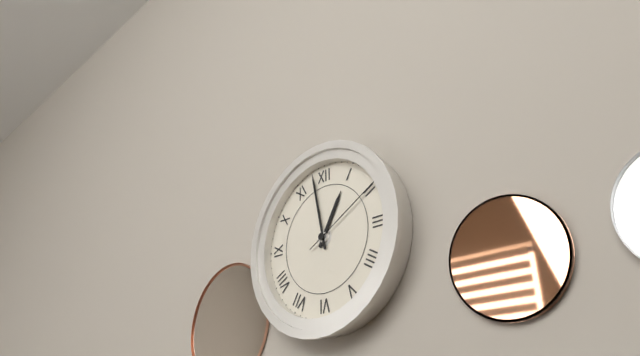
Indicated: 12,58,10
